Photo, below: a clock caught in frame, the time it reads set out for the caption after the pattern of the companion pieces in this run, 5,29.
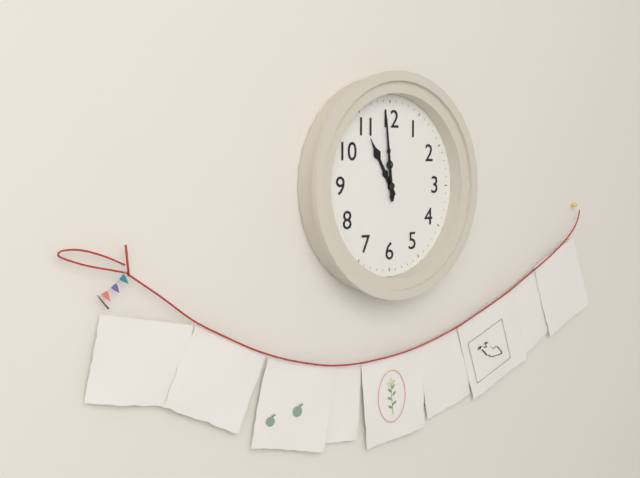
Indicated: 10,59
